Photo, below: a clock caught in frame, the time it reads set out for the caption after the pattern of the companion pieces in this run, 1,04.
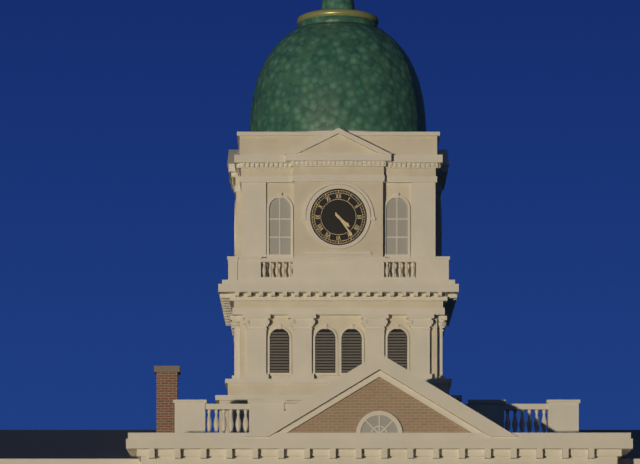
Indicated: 4,24
